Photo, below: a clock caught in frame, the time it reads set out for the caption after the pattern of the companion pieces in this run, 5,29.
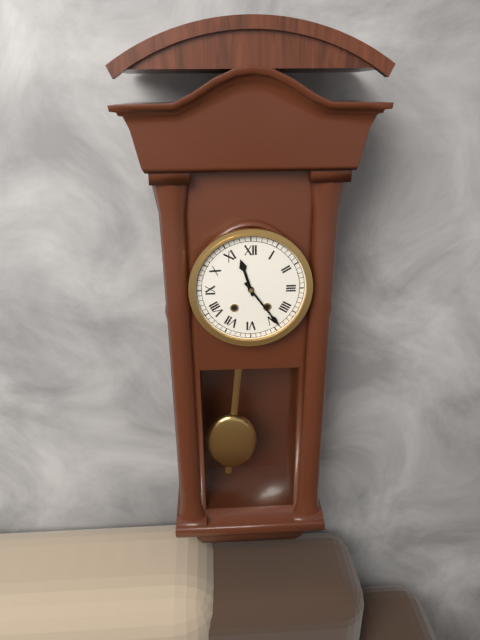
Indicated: 11,24
